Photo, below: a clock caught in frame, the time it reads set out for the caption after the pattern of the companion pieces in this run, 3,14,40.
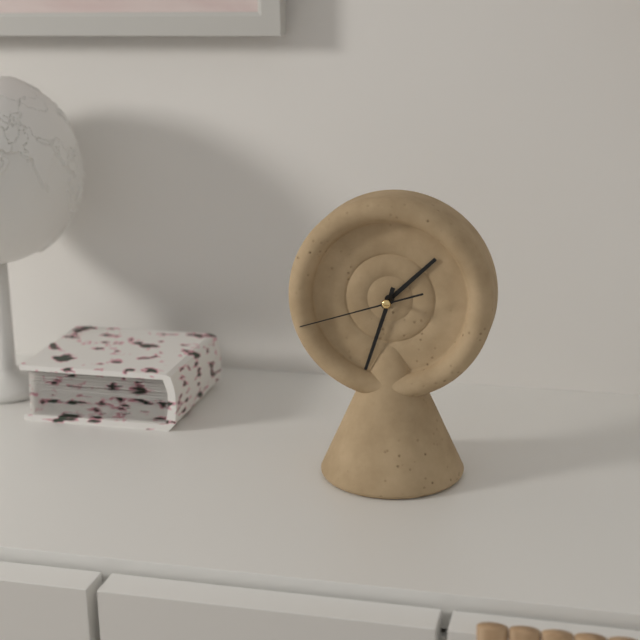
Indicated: 1,33,42
